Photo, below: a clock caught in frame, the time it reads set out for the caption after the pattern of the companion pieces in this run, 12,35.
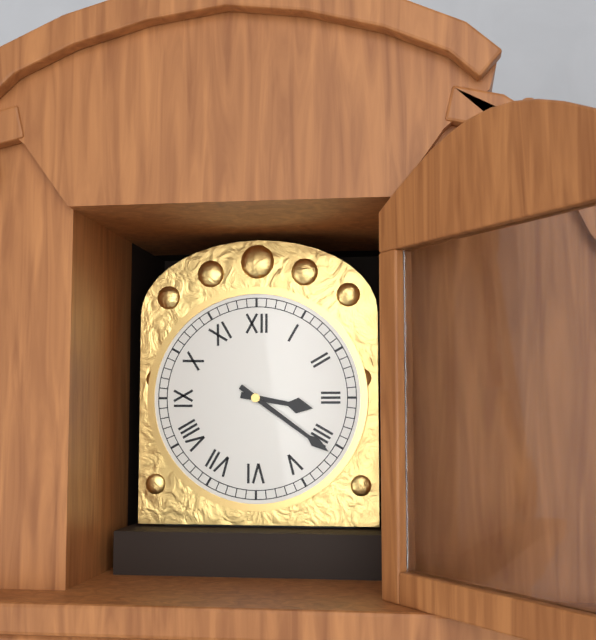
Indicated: 3,21
